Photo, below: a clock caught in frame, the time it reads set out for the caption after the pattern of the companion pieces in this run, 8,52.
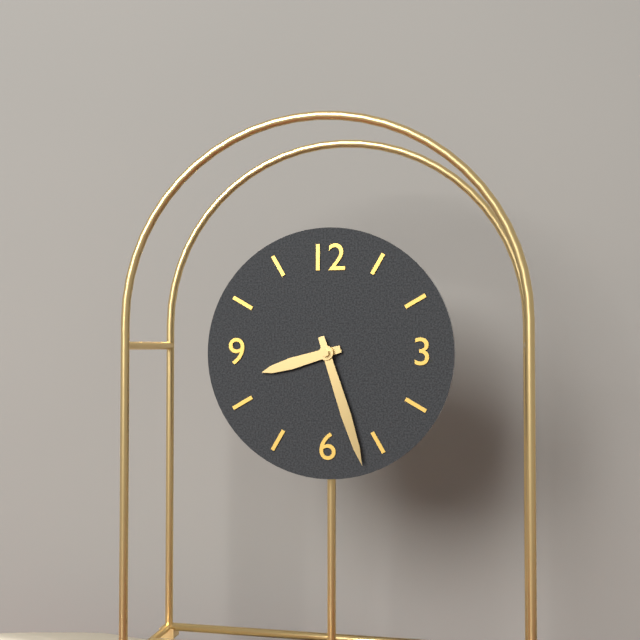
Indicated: 8,27
